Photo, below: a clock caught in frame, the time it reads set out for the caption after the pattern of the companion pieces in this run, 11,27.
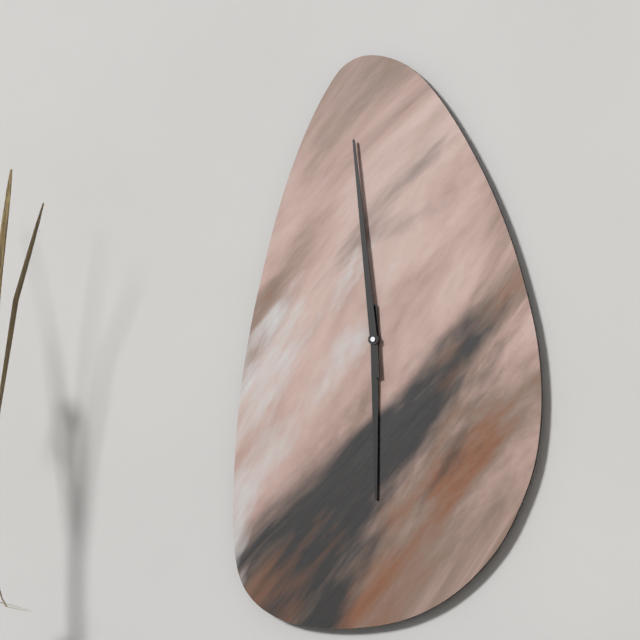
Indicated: 5,59
